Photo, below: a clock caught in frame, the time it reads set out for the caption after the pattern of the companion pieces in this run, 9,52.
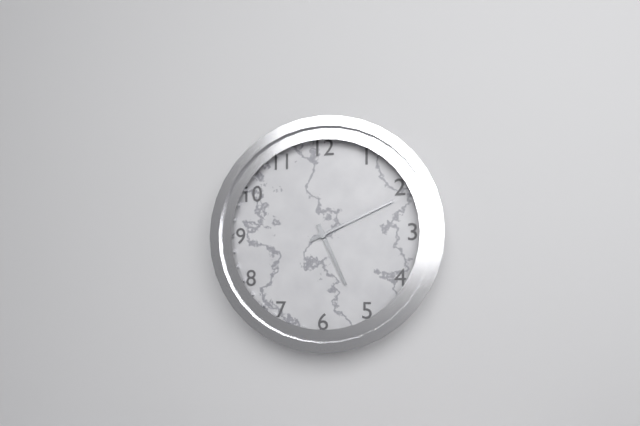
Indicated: 5,11
